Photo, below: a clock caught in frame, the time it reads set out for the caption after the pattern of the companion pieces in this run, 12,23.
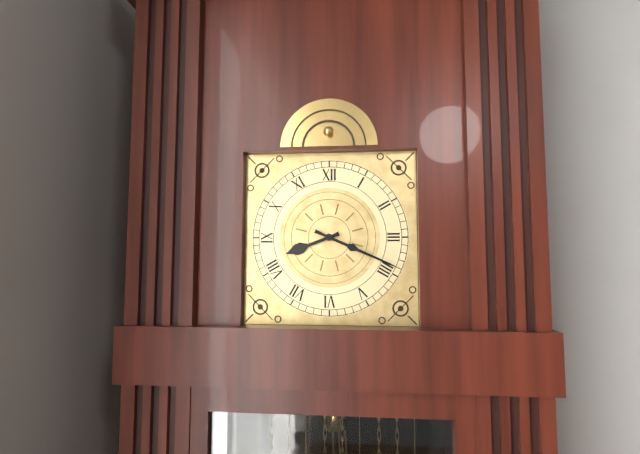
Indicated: 8,19
